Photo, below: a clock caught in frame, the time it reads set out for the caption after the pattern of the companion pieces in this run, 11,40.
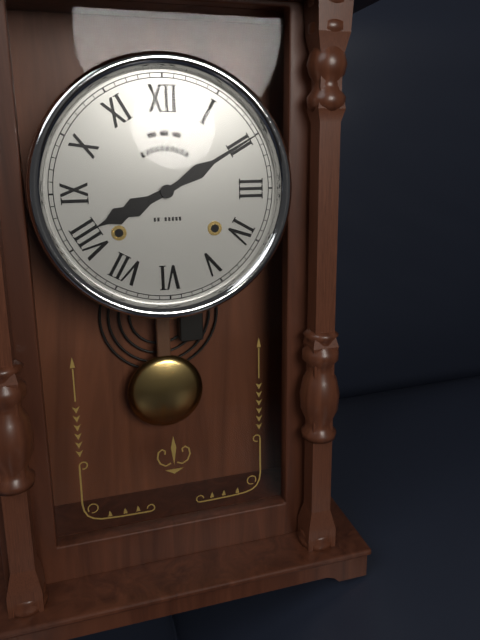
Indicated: 8,10
